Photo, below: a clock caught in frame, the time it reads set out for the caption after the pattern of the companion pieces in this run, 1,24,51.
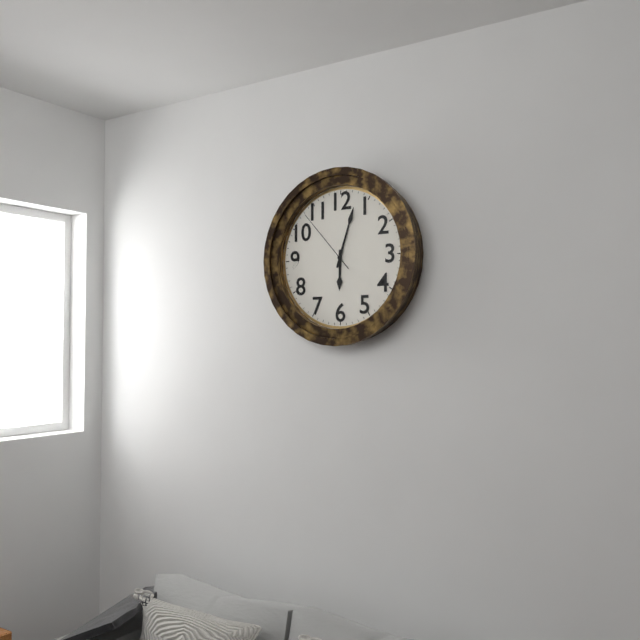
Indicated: 6,03,53
